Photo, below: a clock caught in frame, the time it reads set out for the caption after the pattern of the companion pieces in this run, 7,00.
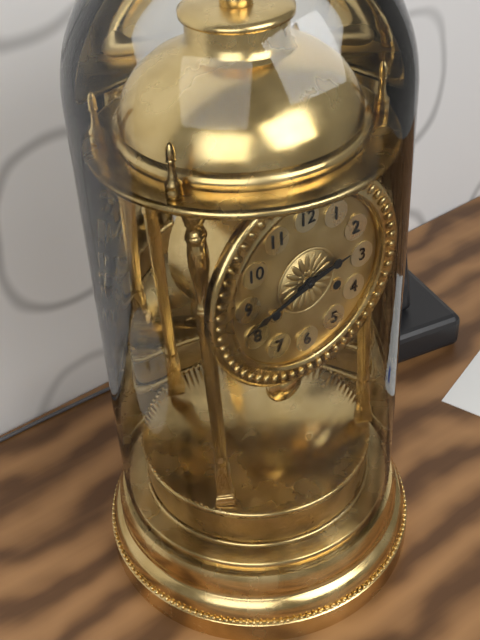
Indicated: 2,42
